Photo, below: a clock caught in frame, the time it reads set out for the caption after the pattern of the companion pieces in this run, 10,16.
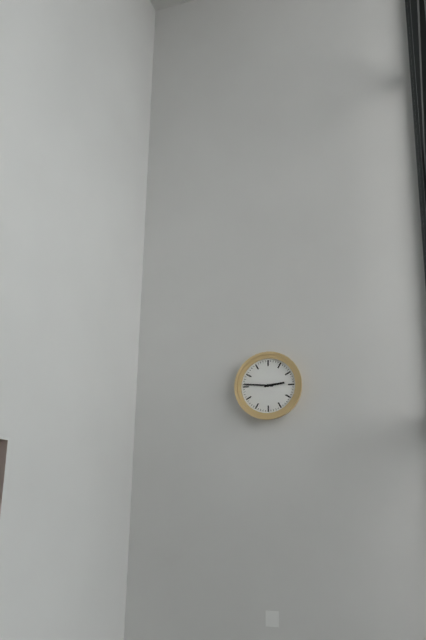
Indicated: 2,46
